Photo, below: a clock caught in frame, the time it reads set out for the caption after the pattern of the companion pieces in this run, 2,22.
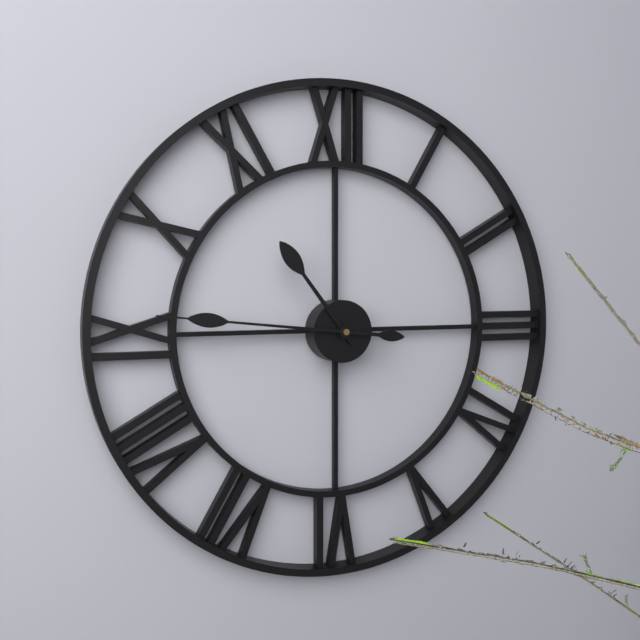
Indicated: 10,46
